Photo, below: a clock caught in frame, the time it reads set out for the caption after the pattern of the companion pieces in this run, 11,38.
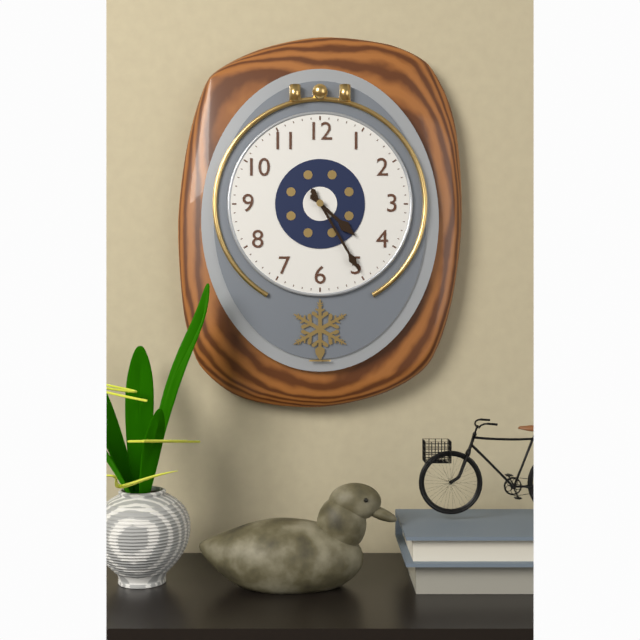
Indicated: 4,25
